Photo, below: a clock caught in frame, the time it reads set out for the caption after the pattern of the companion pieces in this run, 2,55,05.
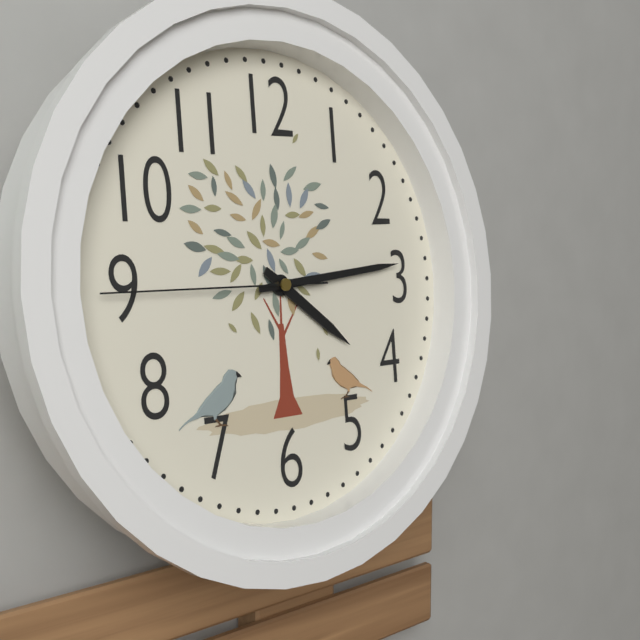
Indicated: 4,14,45
